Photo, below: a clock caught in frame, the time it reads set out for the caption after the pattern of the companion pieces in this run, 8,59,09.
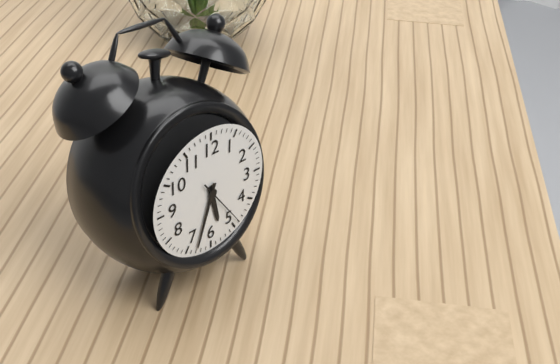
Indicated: 5,33,24
